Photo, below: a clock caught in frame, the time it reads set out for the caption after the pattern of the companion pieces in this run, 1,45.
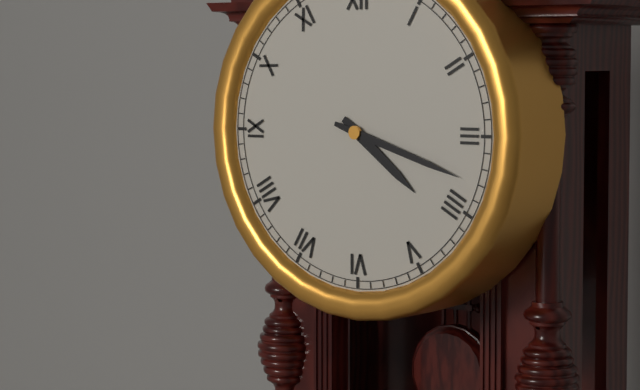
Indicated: 4,18
